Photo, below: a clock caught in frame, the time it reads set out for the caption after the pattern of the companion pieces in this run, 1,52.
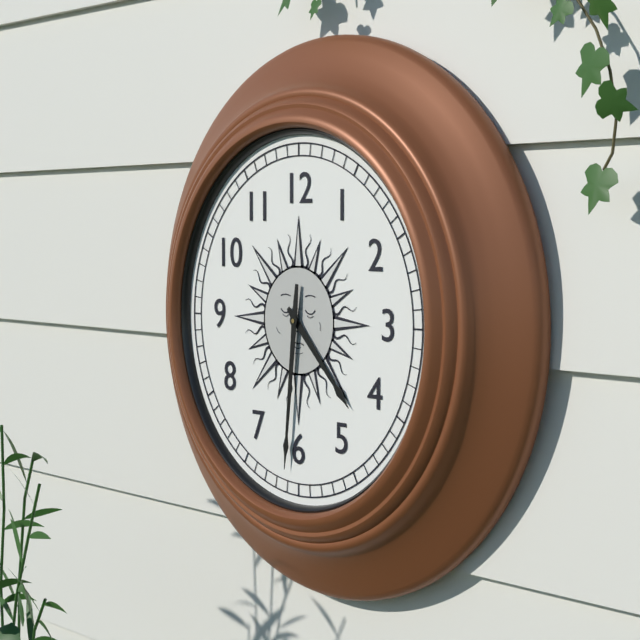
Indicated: 4,31
